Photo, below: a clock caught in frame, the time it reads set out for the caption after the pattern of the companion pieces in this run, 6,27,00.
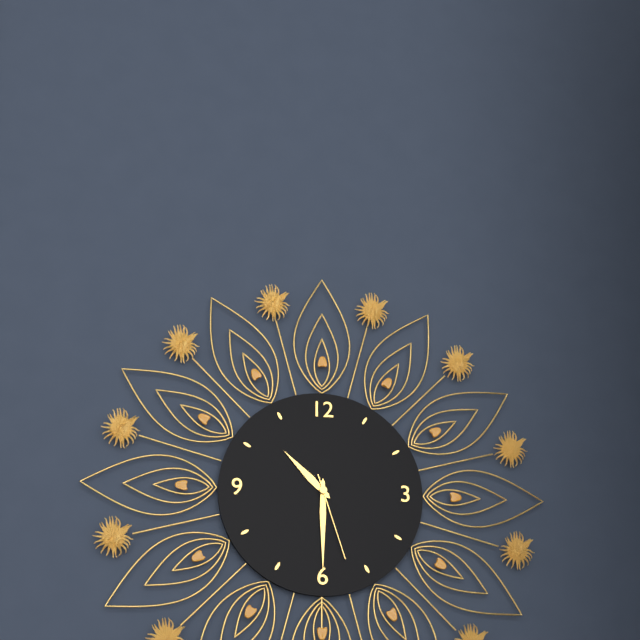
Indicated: 10,30,27
